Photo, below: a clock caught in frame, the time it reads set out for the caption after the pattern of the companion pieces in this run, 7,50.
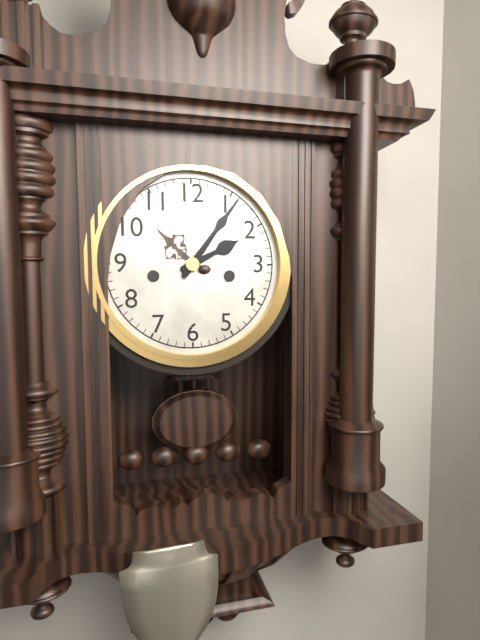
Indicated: 2,06
